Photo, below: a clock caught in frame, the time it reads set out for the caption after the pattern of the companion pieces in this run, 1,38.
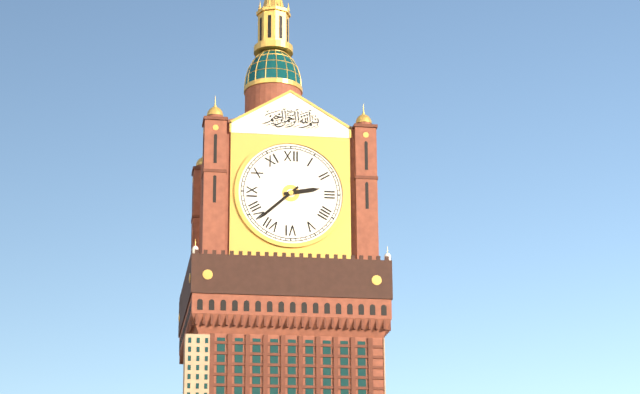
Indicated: 2,38
